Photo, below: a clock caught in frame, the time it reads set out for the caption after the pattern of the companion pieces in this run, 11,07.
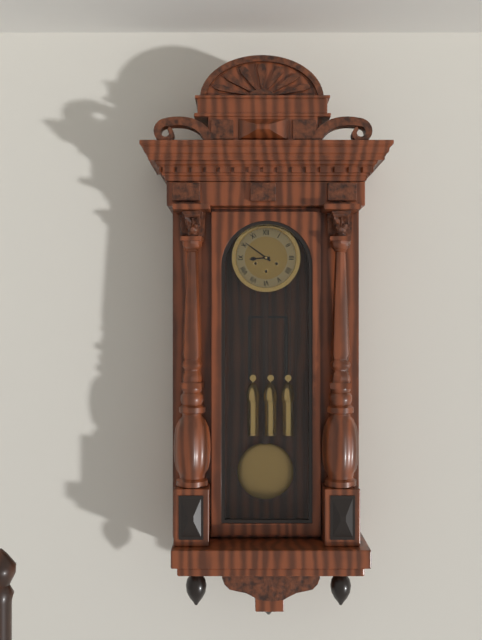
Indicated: 8,51
